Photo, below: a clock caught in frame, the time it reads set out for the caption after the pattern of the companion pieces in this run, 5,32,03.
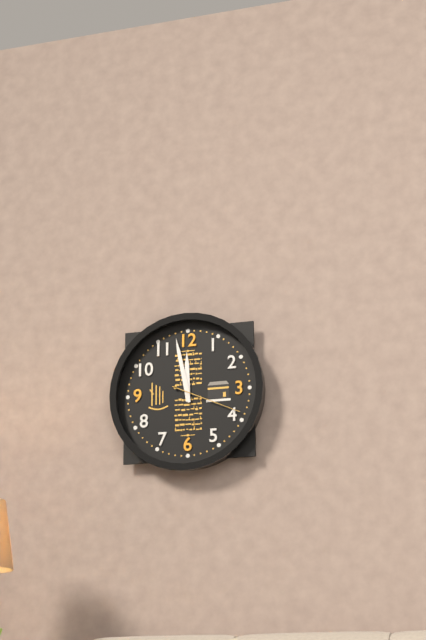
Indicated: 11,58,19
